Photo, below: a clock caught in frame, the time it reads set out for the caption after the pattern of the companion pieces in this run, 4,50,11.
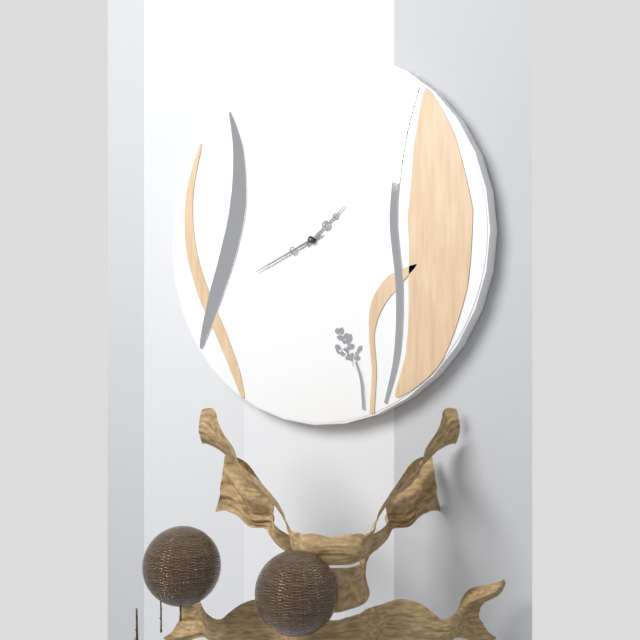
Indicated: 1,41,41
